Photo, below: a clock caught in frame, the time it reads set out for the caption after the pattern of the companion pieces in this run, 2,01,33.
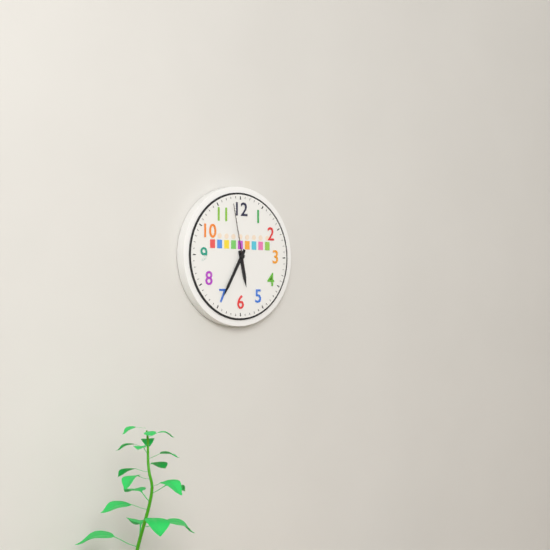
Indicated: 5,35,58
